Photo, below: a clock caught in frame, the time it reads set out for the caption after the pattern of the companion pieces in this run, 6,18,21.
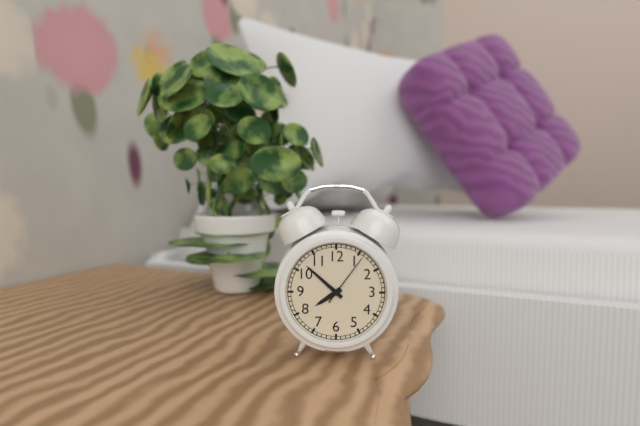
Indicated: 7,52,06
